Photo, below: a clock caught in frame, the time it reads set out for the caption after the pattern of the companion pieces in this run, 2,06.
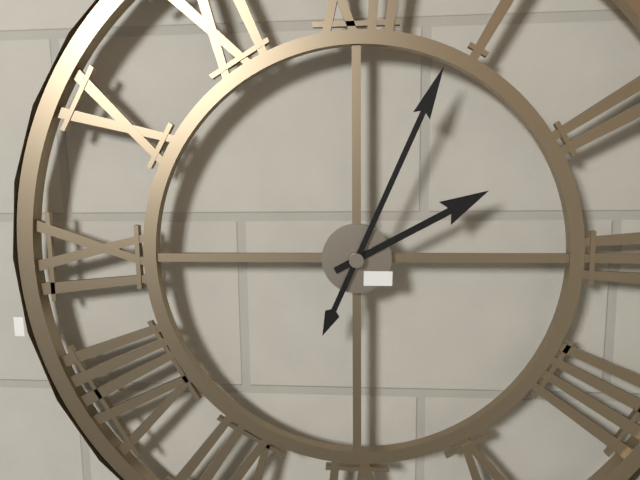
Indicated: 2,04
